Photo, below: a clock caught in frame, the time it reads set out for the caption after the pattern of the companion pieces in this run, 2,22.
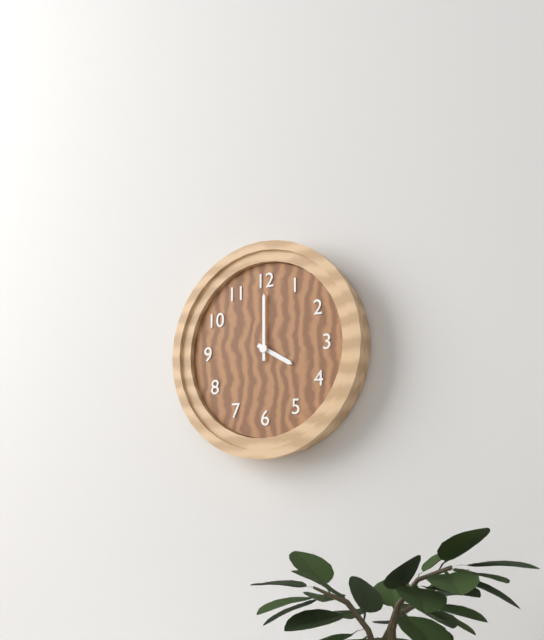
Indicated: 4,00
